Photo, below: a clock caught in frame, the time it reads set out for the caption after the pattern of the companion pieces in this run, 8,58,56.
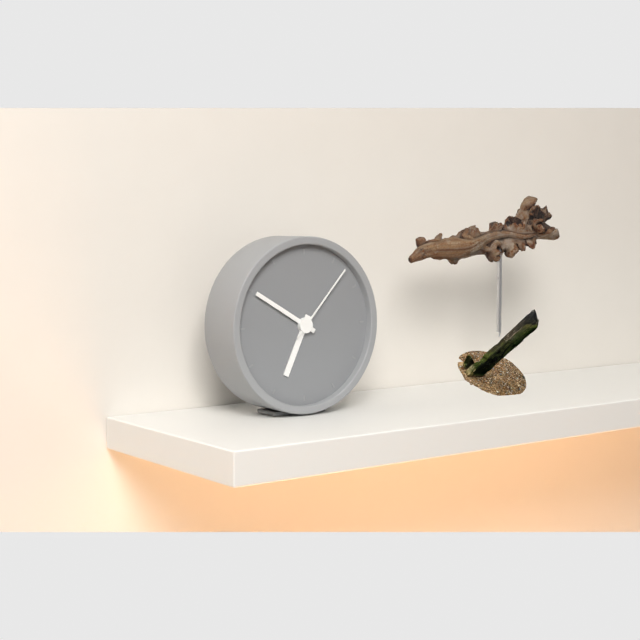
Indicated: 6,50,07
